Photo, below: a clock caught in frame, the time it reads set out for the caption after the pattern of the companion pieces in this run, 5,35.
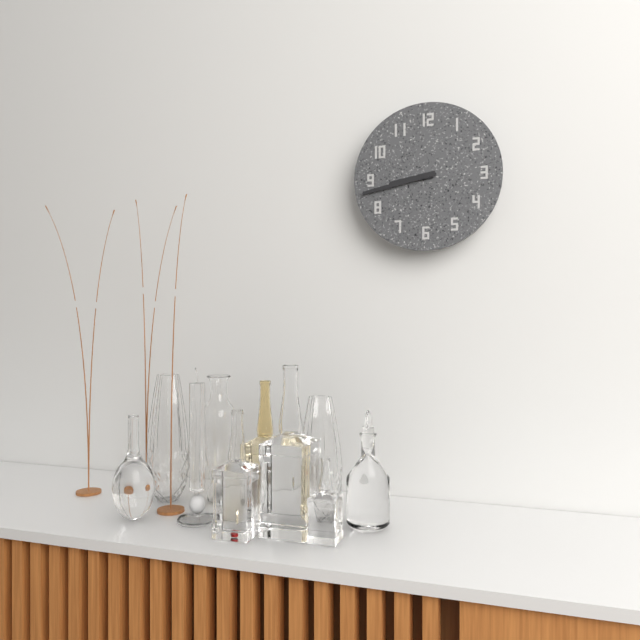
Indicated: 8,43
